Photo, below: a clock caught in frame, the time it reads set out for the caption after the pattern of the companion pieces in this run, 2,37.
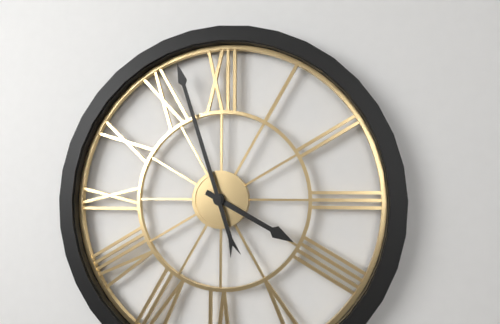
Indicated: 3,57
